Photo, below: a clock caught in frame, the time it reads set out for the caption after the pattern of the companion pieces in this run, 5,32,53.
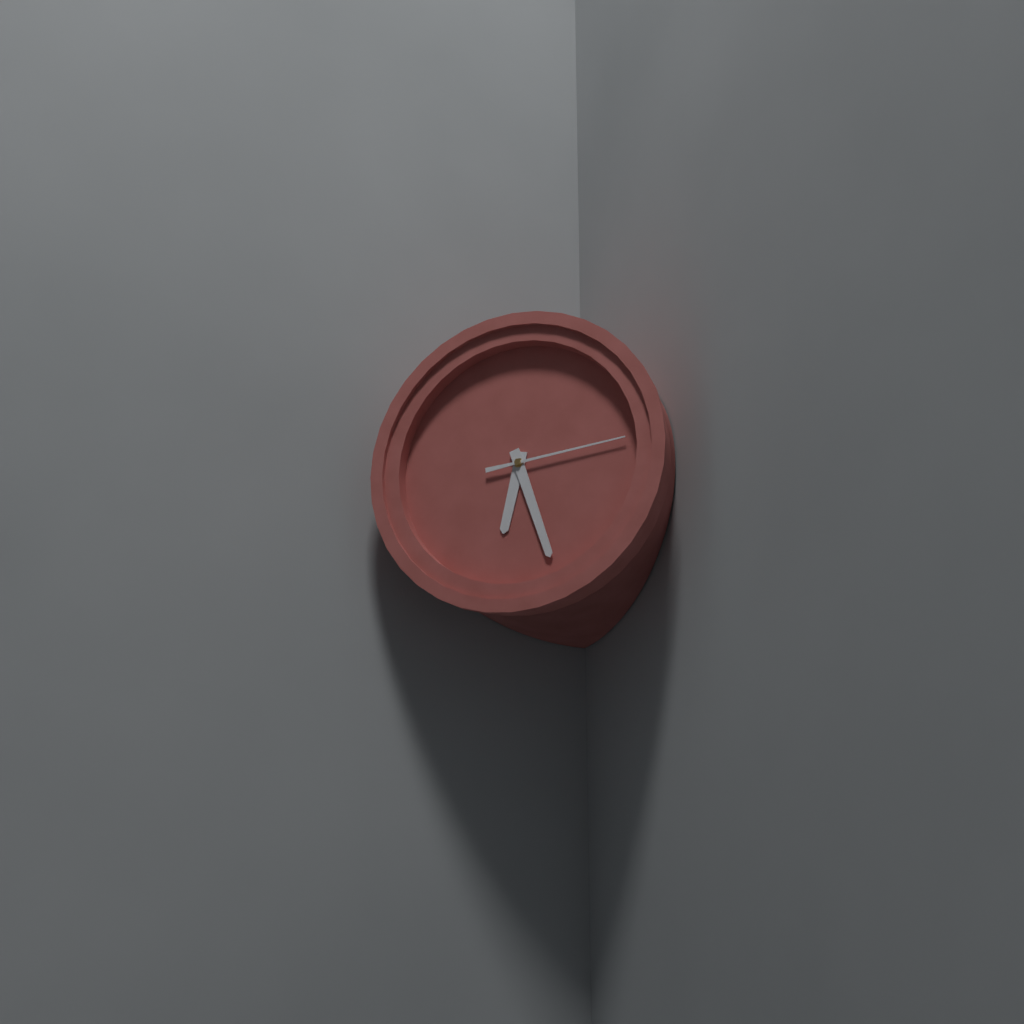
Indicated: 6,27,14
